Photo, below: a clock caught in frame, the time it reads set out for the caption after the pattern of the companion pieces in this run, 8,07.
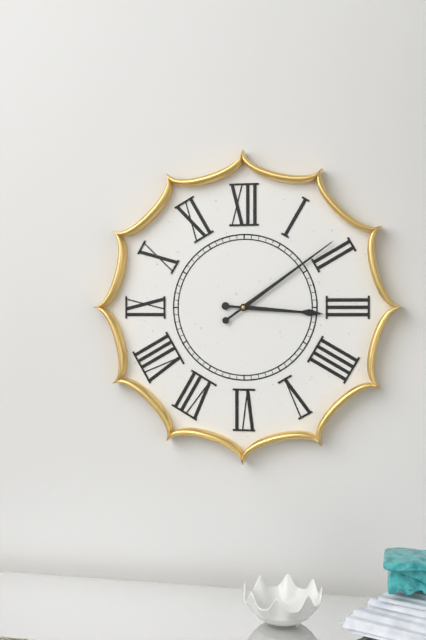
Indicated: 3,09
